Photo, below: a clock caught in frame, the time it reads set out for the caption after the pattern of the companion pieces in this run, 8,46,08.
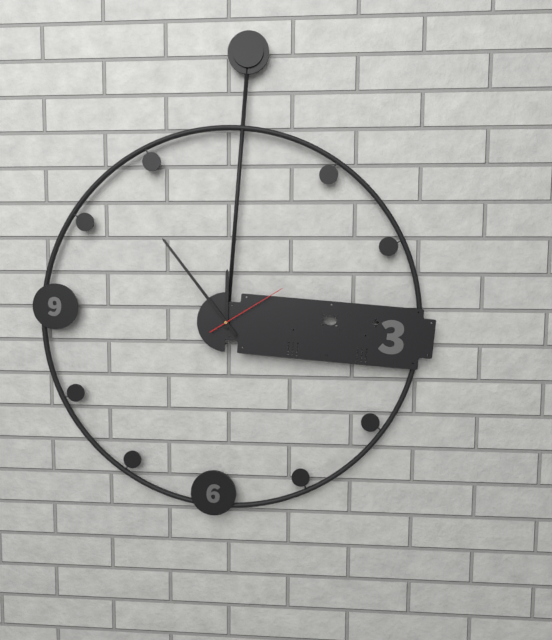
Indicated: 11,53,09
